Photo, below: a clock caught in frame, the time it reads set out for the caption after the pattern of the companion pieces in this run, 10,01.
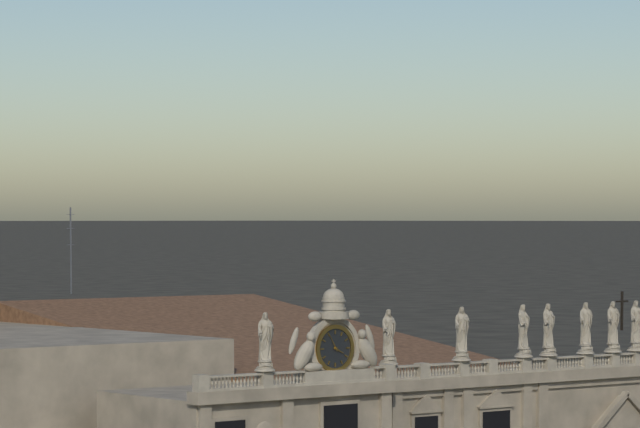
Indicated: 3,55
